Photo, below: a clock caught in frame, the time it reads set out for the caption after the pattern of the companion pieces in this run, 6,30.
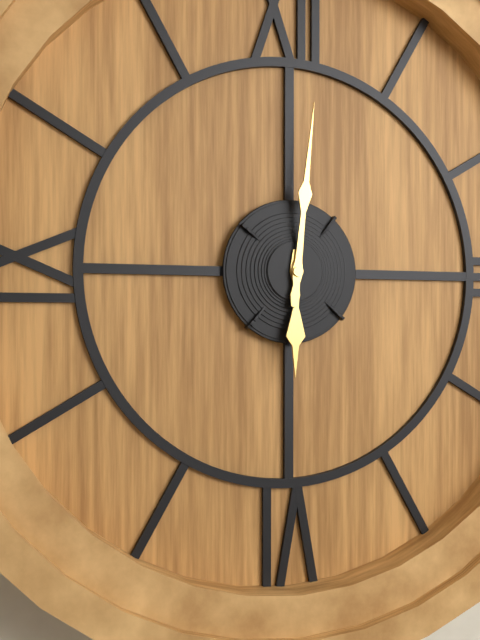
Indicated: 6,01
